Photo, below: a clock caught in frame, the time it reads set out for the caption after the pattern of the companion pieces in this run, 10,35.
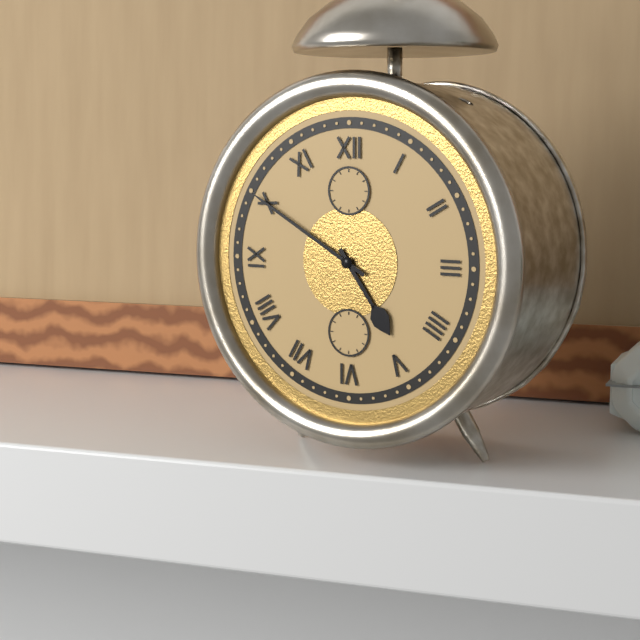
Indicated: 4,50
